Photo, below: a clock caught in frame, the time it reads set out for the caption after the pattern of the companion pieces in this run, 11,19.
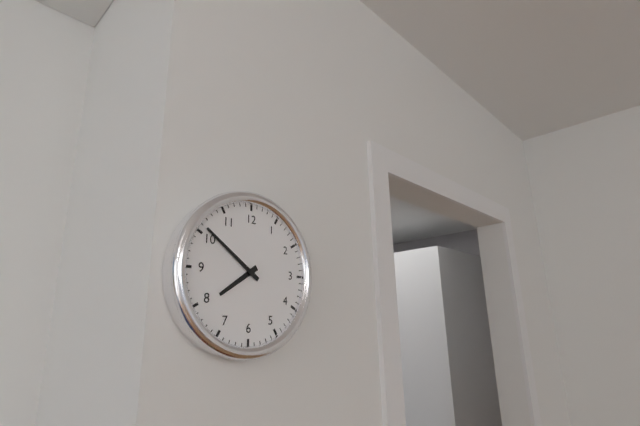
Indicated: 7,51
